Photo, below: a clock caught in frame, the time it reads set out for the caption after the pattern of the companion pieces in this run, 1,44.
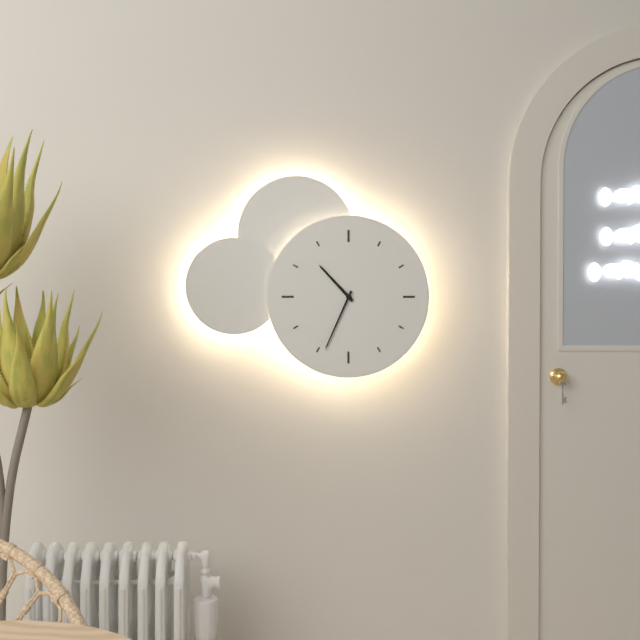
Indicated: 10,34
